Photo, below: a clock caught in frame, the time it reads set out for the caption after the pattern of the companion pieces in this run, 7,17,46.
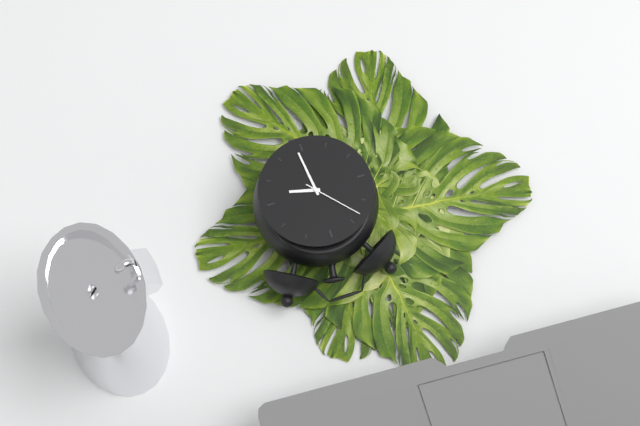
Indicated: 3,29,53
